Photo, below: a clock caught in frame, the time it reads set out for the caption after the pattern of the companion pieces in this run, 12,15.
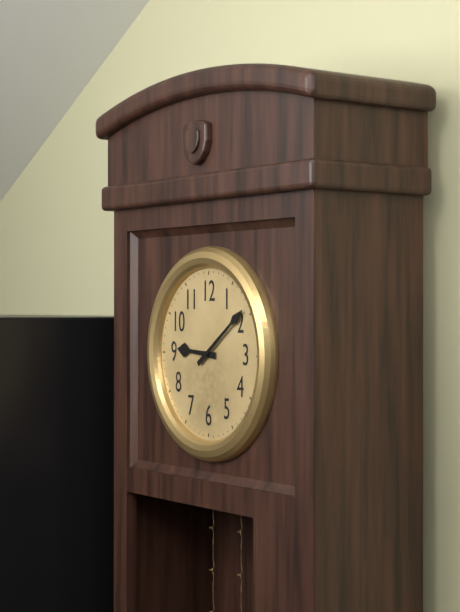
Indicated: 9,09
